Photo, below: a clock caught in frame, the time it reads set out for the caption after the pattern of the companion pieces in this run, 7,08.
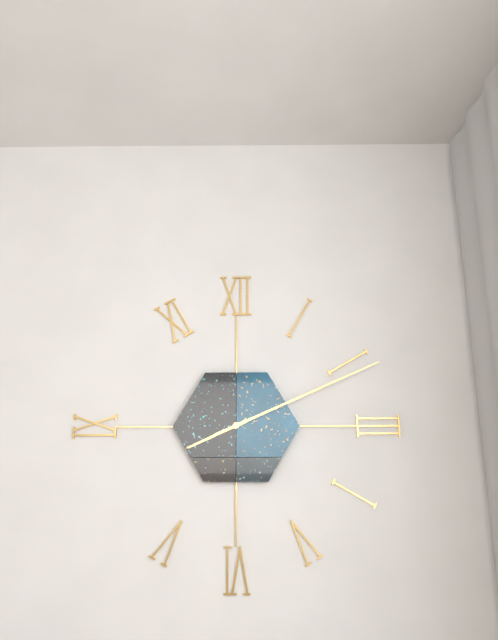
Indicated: 8,11
